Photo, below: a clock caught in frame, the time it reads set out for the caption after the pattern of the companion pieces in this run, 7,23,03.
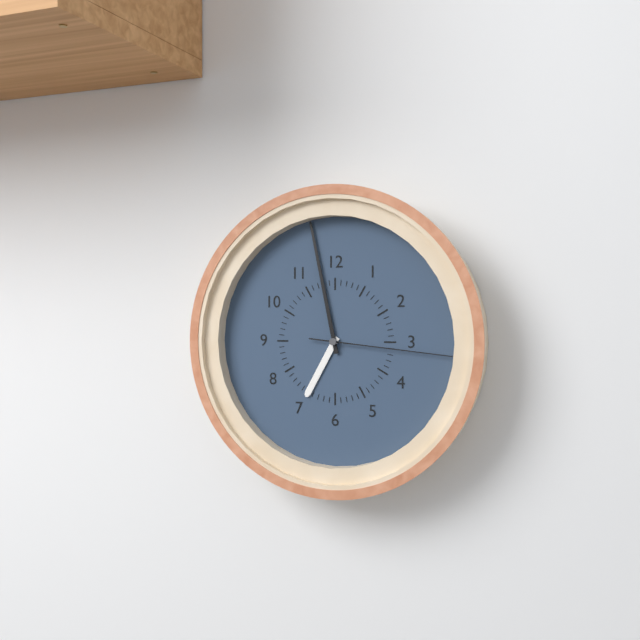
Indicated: 6,58,16
